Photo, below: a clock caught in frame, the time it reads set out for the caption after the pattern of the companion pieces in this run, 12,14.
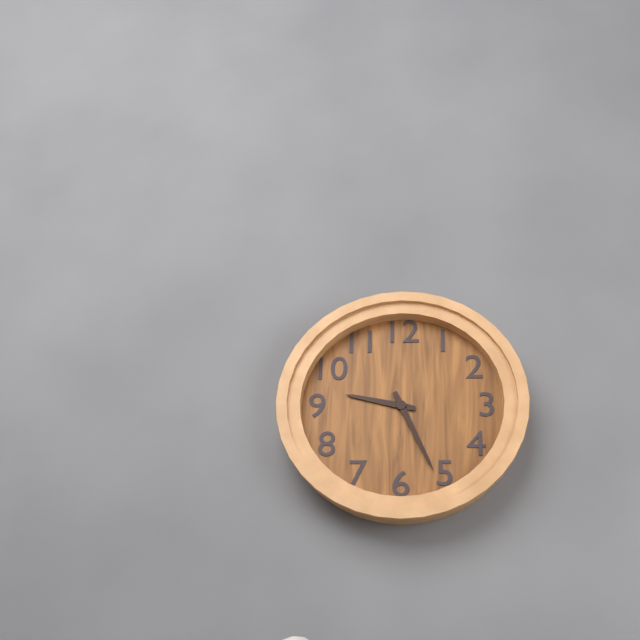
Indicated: 9,26
